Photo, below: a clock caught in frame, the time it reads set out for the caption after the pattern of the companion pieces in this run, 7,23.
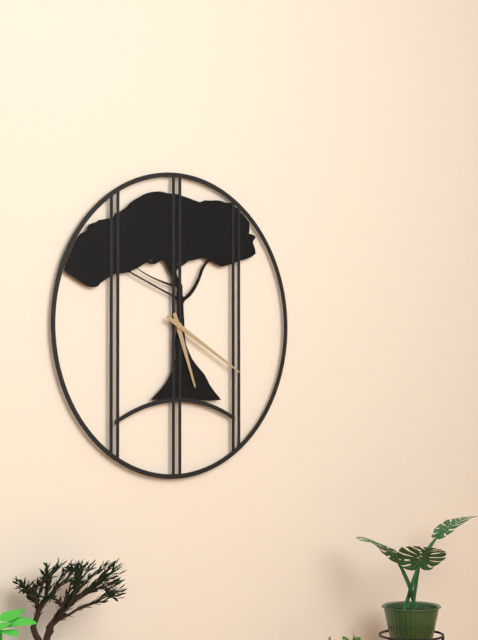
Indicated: 5,20
